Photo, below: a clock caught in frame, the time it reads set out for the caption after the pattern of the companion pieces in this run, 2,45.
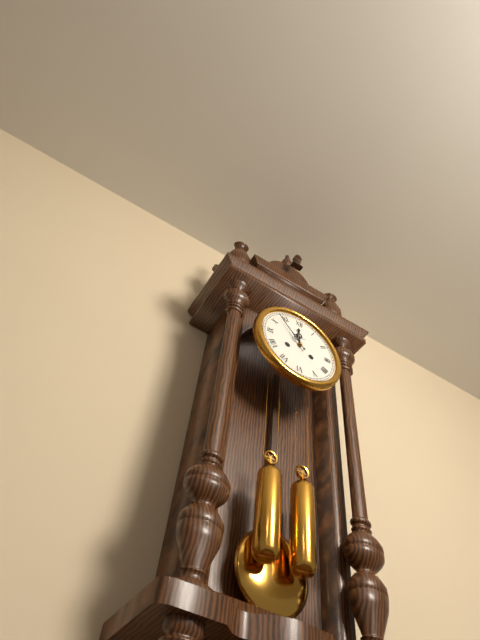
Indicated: 11,53
